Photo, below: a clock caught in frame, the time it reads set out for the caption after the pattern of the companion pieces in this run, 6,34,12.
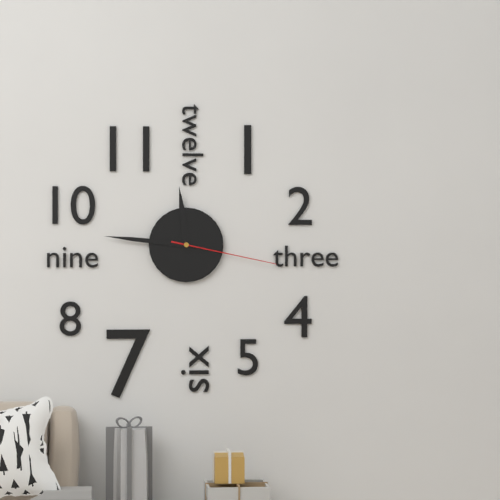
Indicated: 11,46,17
